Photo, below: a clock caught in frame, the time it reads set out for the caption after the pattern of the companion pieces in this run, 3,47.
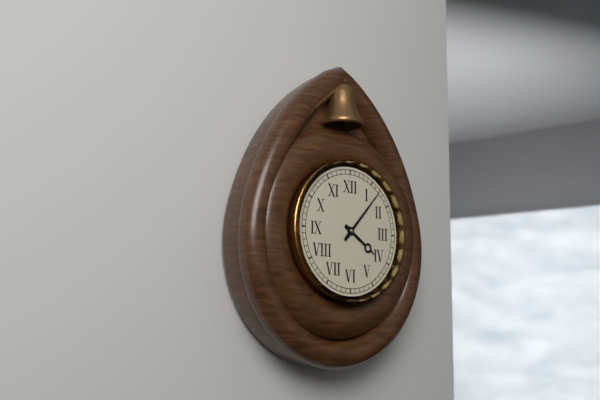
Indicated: 4,07
